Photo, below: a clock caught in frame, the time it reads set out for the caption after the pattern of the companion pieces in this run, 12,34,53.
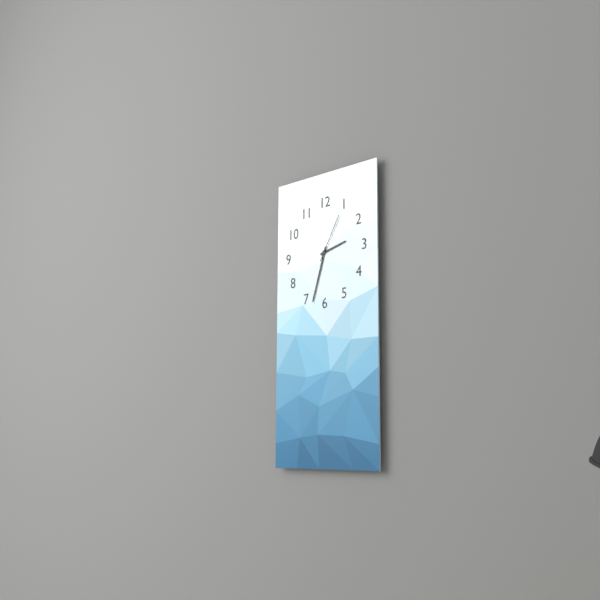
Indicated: 2,33,05
